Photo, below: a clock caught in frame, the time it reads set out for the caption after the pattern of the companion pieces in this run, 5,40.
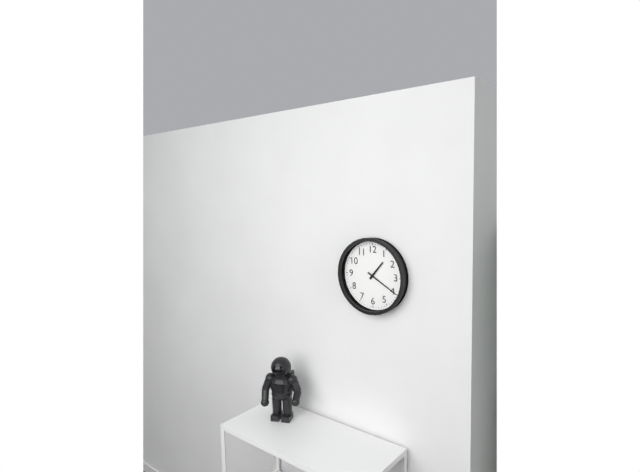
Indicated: 1,20
